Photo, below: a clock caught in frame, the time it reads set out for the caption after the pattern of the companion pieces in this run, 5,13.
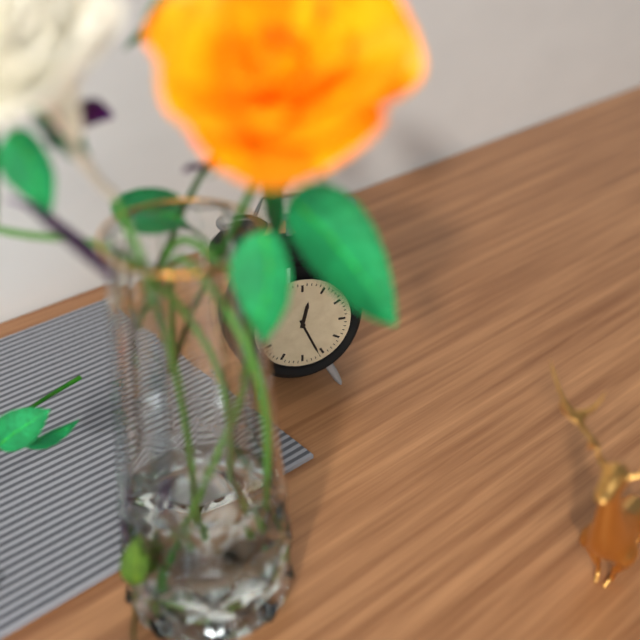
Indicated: 12,26
